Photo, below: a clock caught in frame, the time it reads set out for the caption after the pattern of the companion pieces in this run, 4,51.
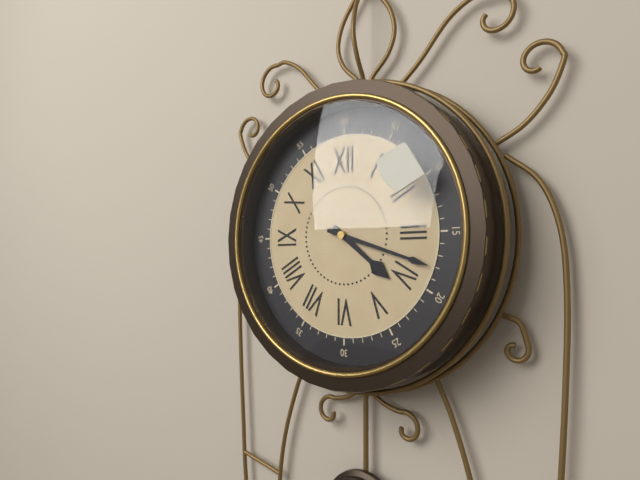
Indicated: 4,18
